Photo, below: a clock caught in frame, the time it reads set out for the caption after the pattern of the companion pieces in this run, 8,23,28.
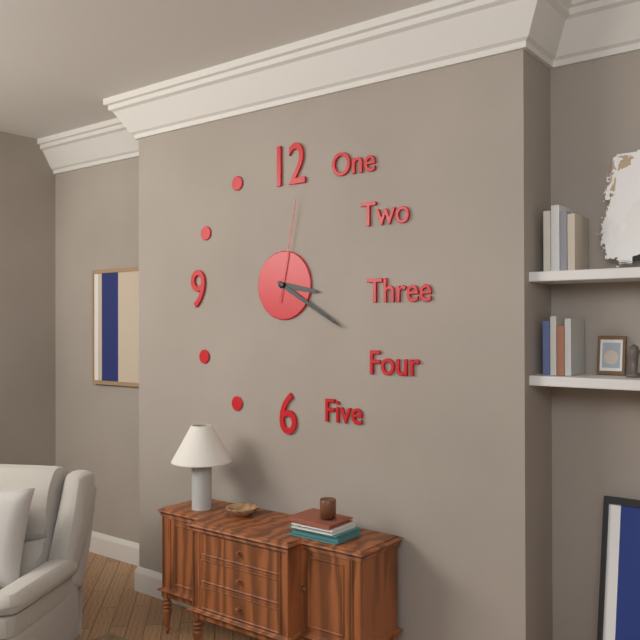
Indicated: 3,20,02
